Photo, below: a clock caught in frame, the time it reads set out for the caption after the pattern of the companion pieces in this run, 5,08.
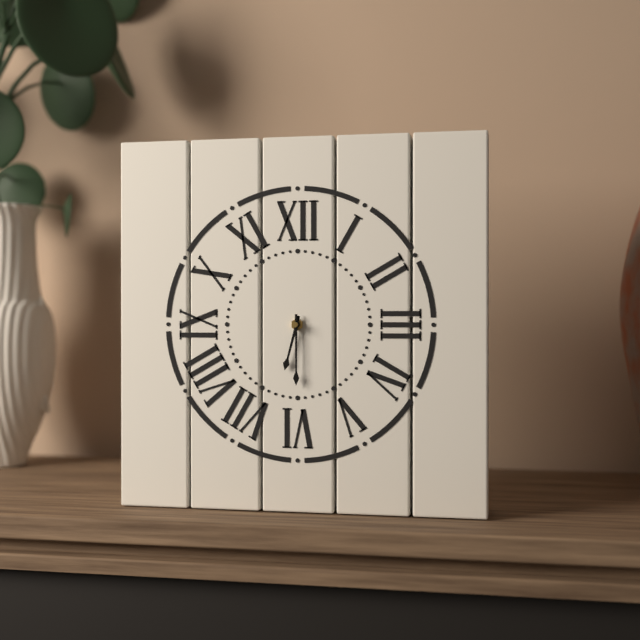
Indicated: 6,30
